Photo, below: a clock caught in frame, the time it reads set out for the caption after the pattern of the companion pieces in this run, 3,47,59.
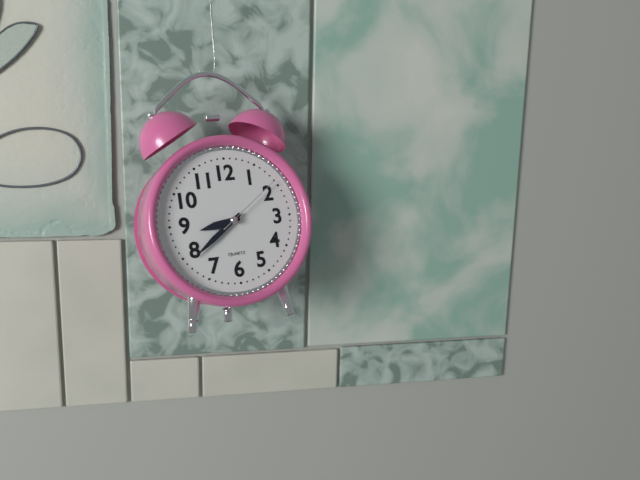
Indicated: 8,39,09
